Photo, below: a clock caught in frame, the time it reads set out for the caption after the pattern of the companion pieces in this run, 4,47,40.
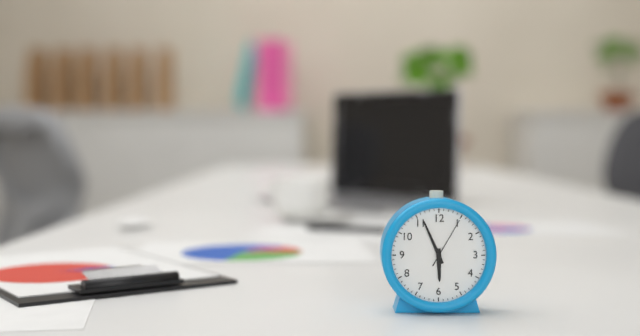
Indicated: 5,56,05
